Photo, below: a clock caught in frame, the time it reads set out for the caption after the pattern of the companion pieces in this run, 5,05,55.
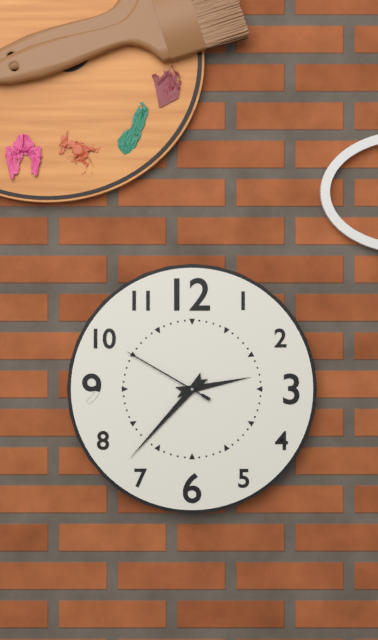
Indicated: 2,37,50
